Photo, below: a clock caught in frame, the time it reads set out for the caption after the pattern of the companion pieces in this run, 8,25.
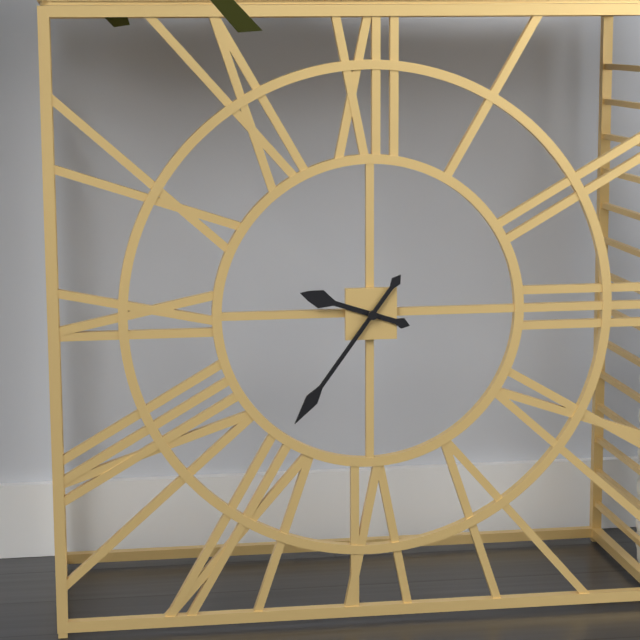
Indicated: 9,36
